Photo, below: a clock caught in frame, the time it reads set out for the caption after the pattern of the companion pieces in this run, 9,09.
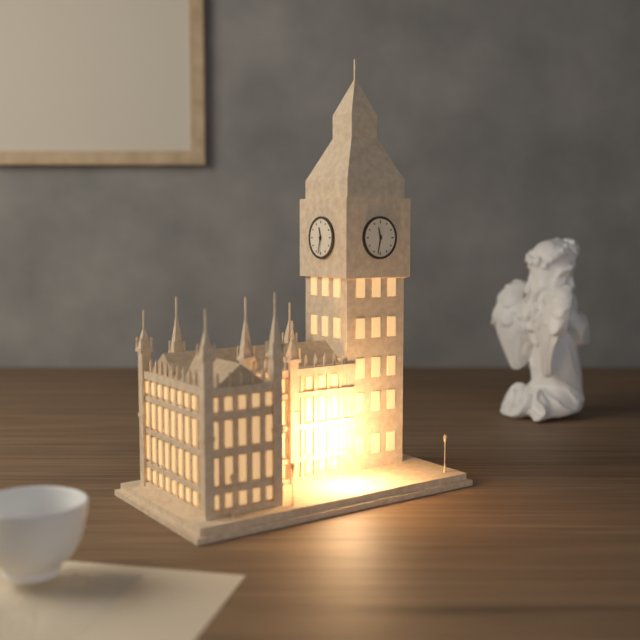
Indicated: 11,32
